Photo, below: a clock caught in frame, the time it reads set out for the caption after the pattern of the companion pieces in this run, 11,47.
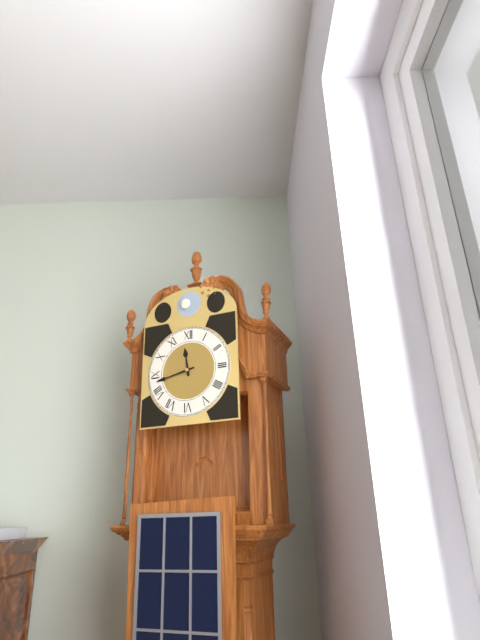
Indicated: 11,43
